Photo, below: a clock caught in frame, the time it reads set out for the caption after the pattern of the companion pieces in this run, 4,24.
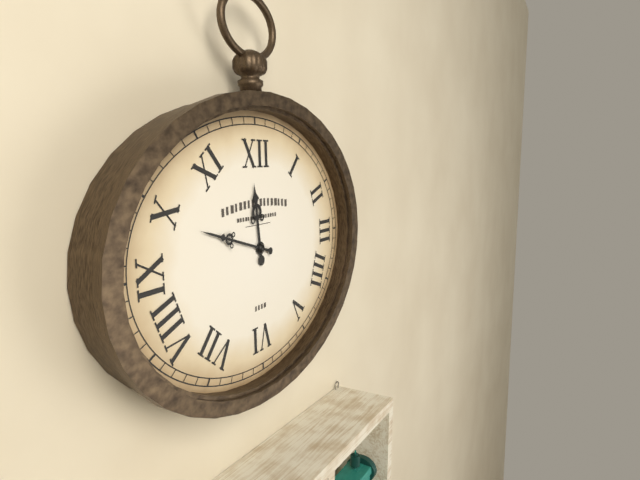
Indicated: 11,48
